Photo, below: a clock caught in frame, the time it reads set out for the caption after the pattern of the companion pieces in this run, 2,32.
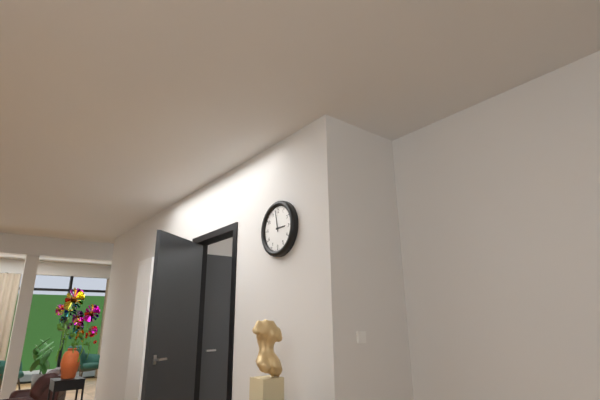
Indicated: 2,58
